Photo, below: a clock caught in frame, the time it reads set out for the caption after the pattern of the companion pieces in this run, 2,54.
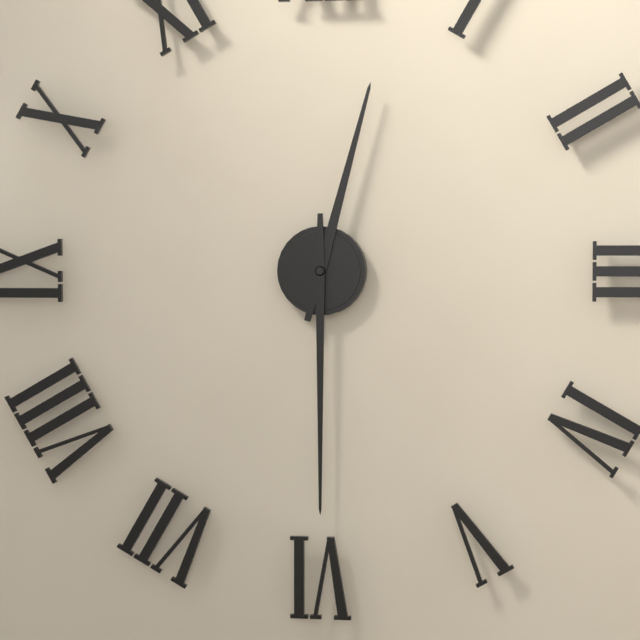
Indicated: 12,30
